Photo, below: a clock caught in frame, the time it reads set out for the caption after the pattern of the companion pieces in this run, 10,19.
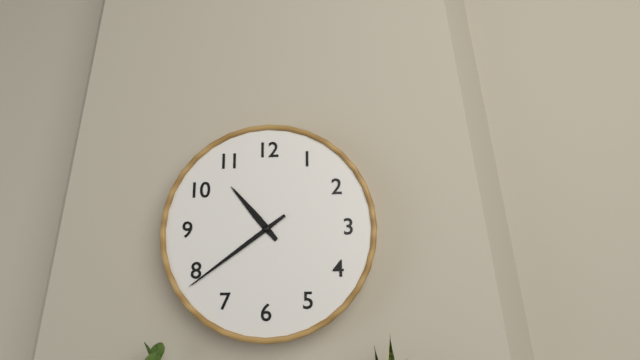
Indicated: 10,39
